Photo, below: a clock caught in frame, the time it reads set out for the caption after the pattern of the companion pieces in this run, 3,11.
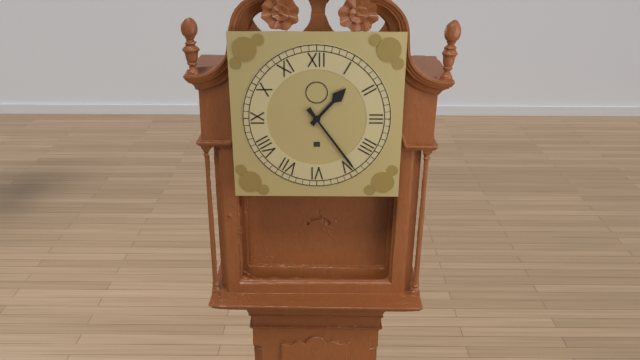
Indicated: 1,24
